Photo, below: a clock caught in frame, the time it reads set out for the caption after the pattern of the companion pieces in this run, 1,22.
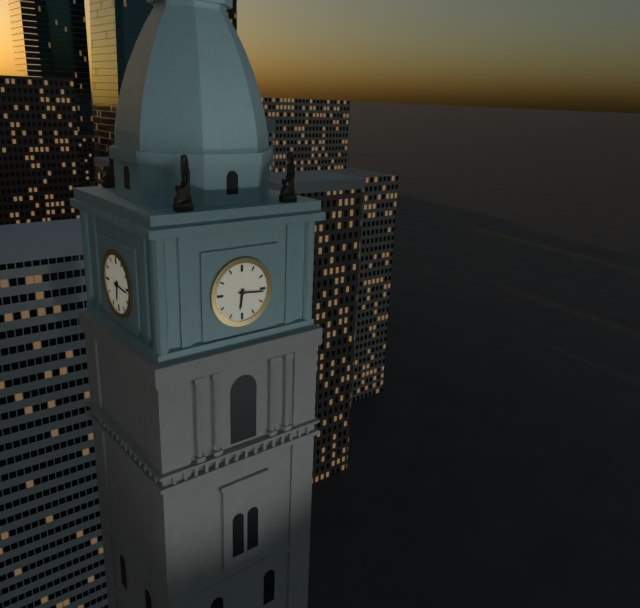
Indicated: 6,16
